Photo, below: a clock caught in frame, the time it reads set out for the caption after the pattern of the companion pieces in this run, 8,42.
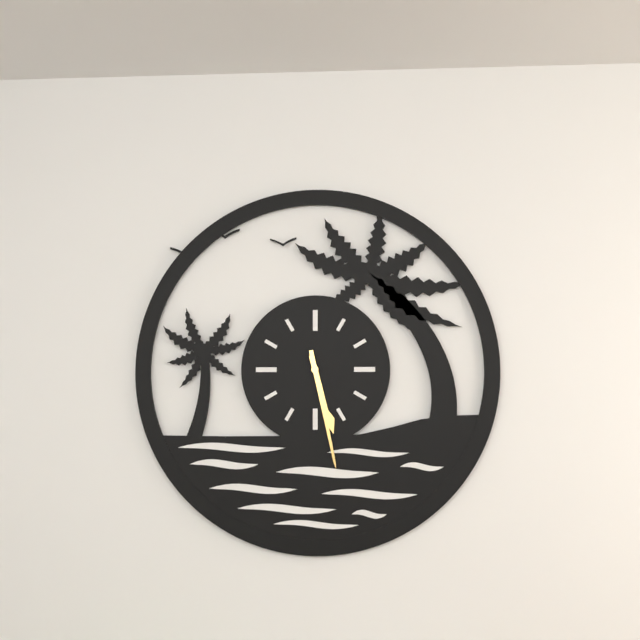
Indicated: 5,28
